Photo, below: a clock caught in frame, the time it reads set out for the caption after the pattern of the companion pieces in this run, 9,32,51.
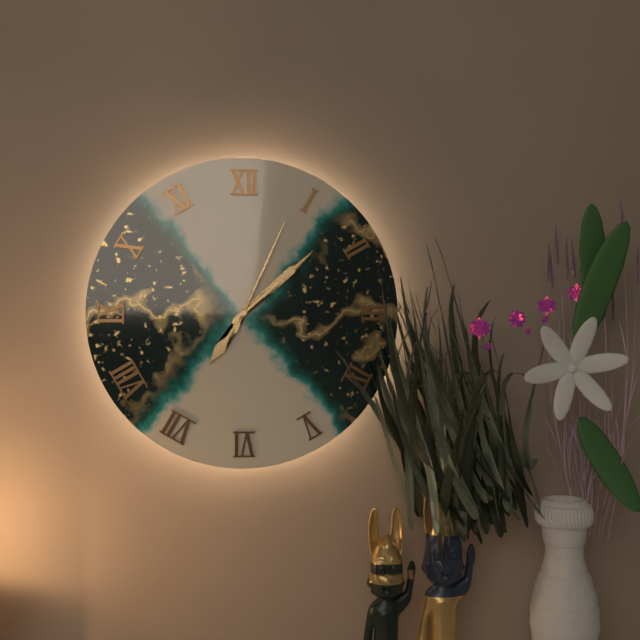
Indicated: 7,08,04
